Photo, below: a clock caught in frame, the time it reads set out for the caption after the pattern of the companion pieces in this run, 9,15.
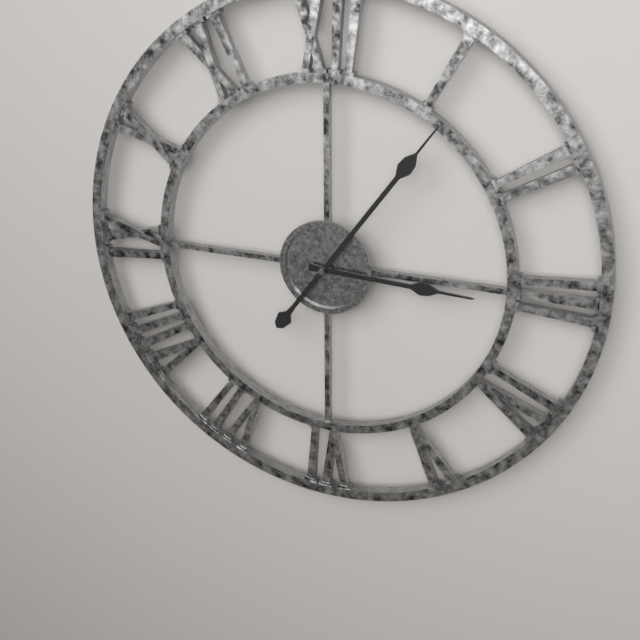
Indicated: 3,06
